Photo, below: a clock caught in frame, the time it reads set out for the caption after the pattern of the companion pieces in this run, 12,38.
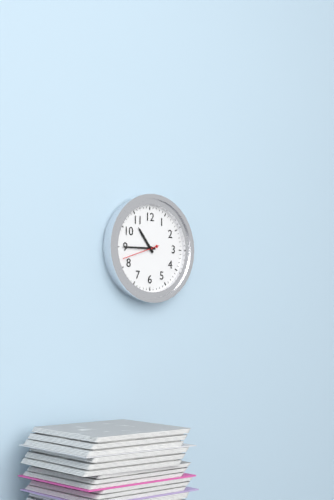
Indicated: 10,45
